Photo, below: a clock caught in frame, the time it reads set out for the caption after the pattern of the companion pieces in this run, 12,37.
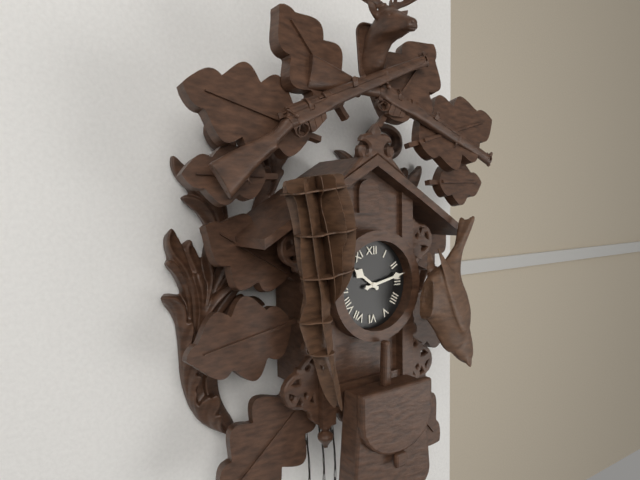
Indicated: 10,13
